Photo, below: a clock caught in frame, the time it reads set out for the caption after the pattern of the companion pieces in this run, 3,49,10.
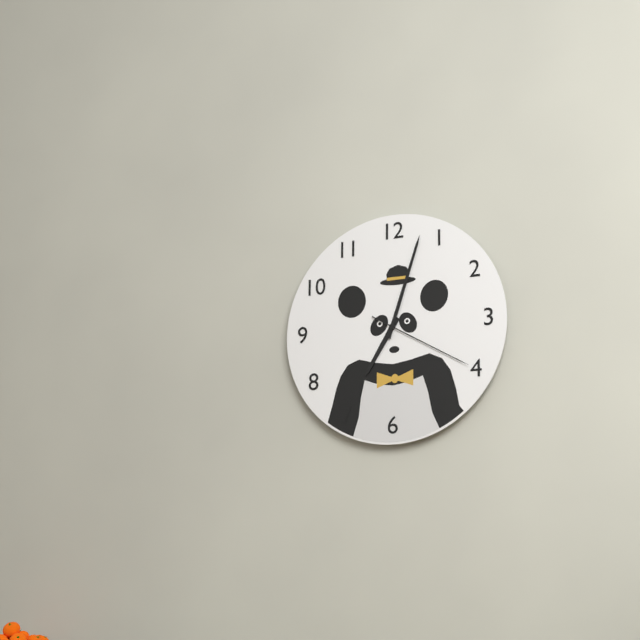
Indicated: 7,03,20
